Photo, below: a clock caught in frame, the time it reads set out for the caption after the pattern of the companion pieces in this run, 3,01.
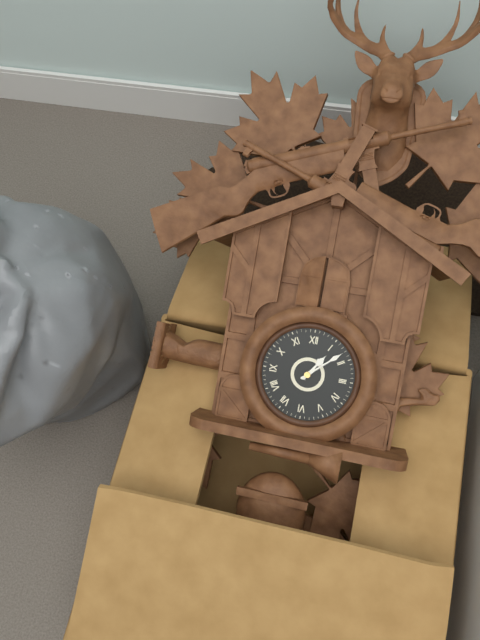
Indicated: 1,08
